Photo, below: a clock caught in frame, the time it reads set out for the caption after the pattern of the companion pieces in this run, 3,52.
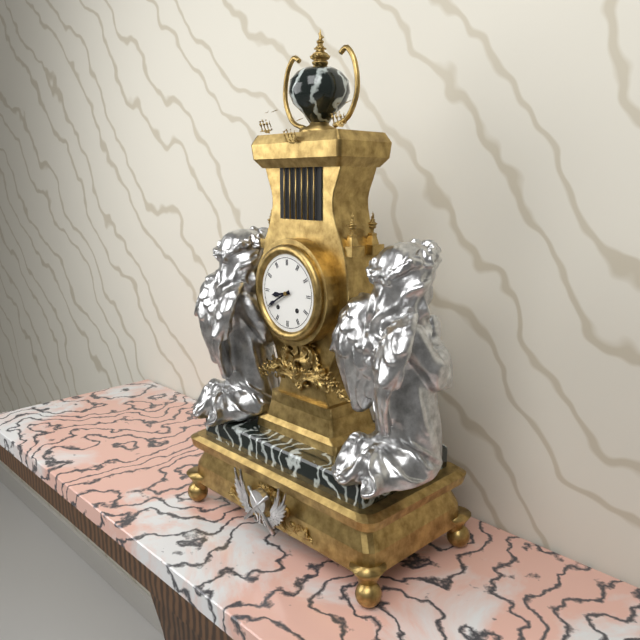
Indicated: 8,40
